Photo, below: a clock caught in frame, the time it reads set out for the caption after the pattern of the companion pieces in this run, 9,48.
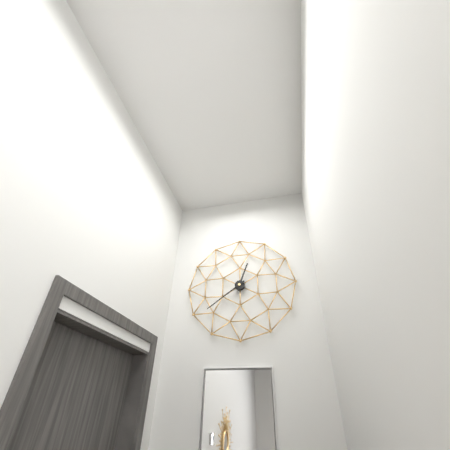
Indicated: 12,39
